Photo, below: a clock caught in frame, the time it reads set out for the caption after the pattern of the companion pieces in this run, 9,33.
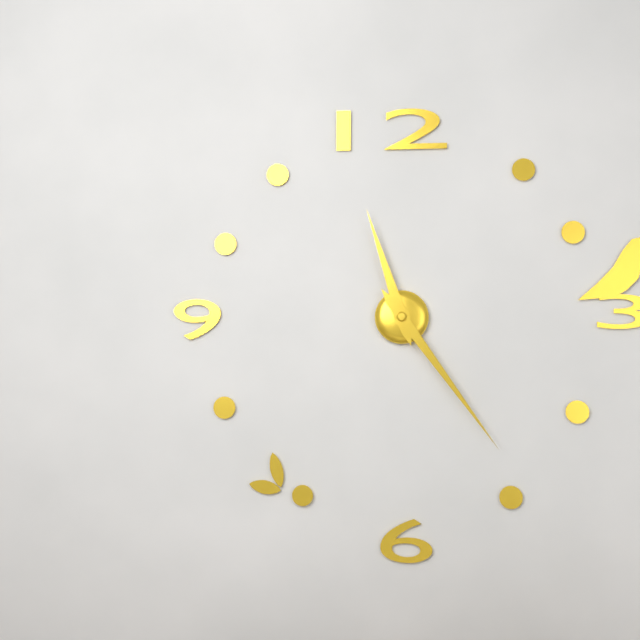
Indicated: 11,24
